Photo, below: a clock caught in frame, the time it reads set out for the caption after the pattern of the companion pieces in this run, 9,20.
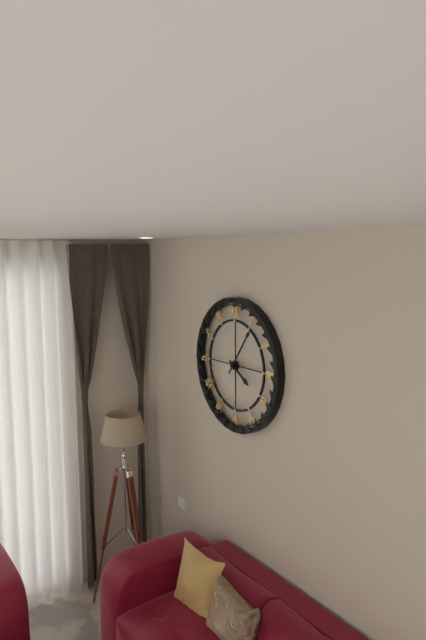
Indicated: 4,06
